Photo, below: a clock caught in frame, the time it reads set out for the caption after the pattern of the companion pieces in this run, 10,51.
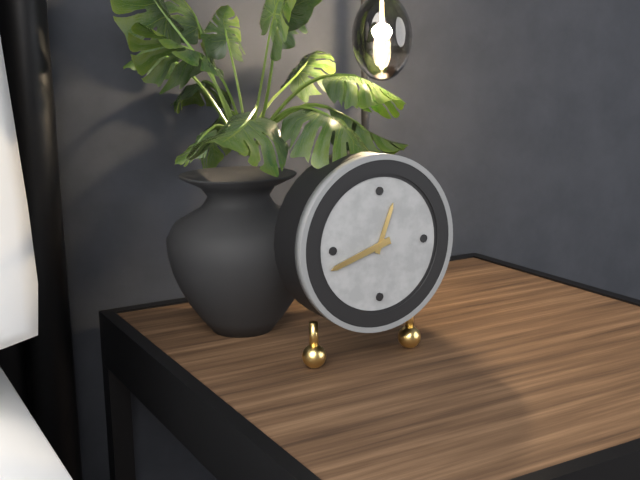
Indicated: 12,42
